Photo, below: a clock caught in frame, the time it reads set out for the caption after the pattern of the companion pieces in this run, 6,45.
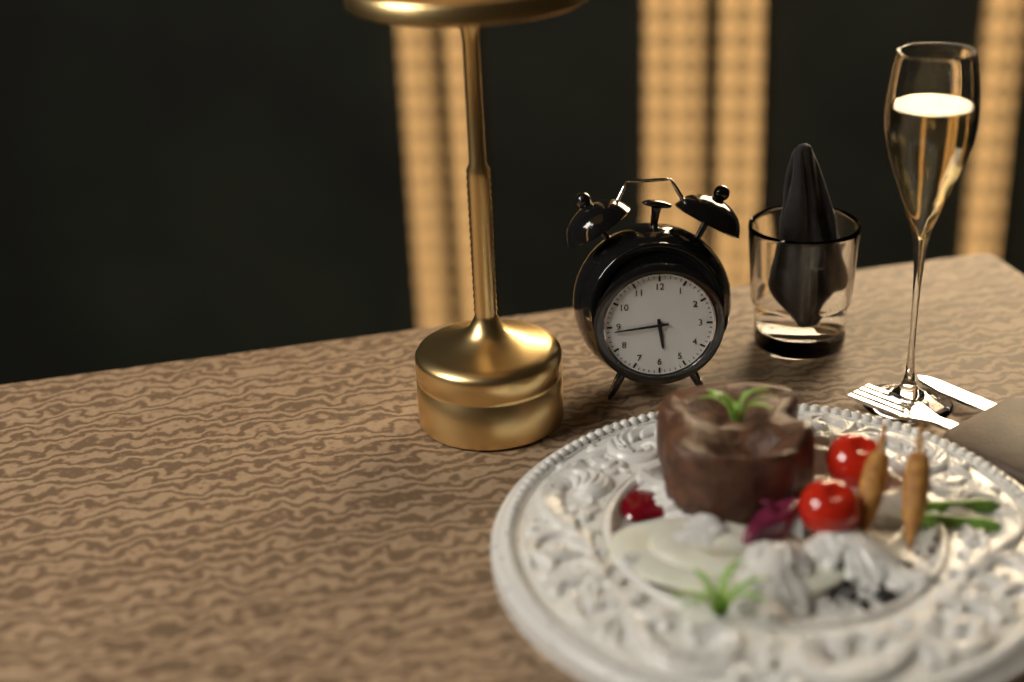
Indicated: 5,44
